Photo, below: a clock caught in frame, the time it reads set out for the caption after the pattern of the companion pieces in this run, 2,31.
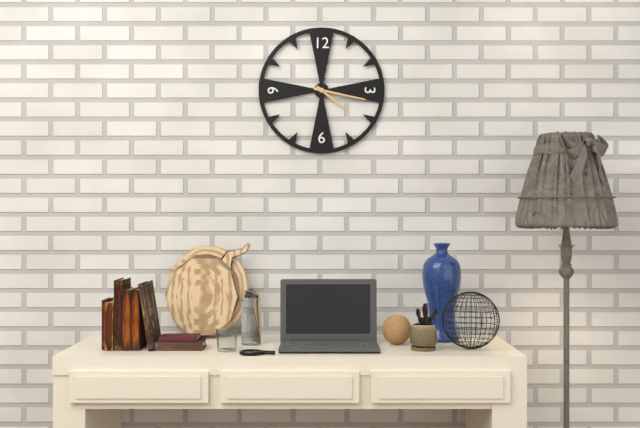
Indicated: 4,17
